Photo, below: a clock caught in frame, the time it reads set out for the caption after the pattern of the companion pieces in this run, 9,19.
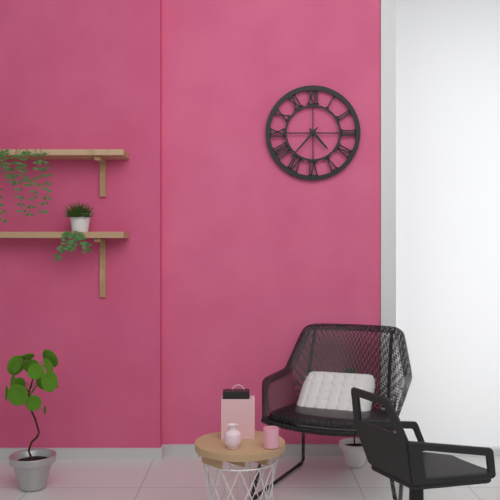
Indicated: 4,37
